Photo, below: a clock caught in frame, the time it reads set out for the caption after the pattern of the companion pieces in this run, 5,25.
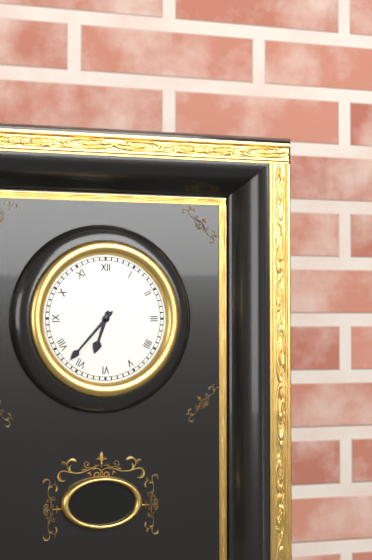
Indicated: 6,37
